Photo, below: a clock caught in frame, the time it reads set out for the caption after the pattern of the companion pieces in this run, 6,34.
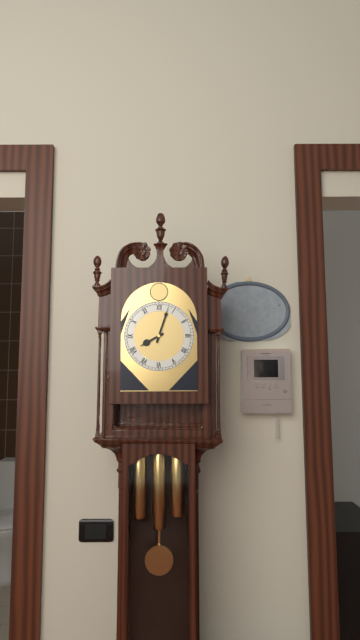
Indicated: 8,03
